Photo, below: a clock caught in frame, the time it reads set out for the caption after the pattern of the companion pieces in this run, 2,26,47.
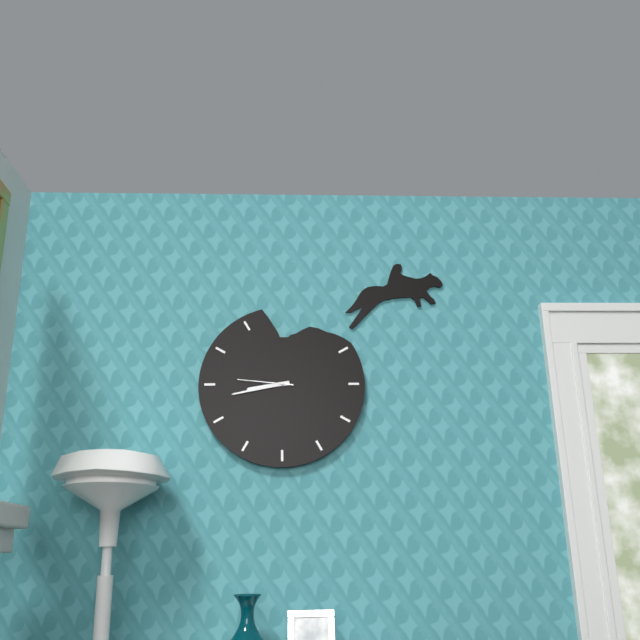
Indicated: 8,43,46
